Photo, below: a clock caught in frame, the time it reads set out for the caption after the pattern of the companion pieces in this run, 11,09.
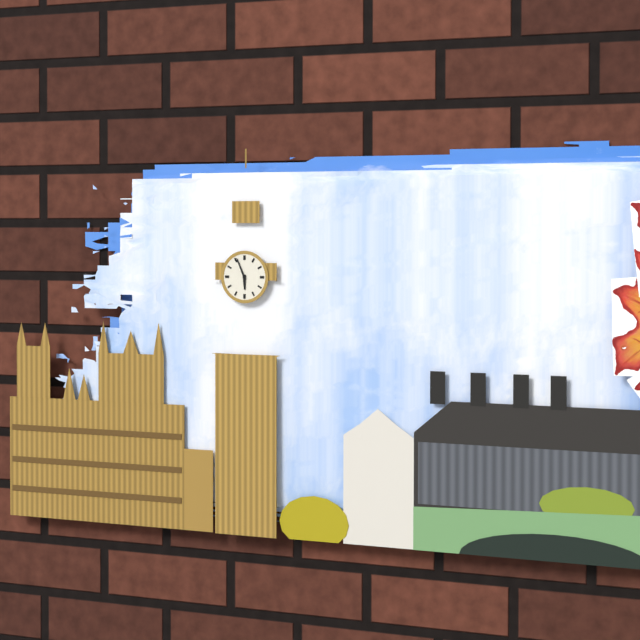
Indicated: 5,56
